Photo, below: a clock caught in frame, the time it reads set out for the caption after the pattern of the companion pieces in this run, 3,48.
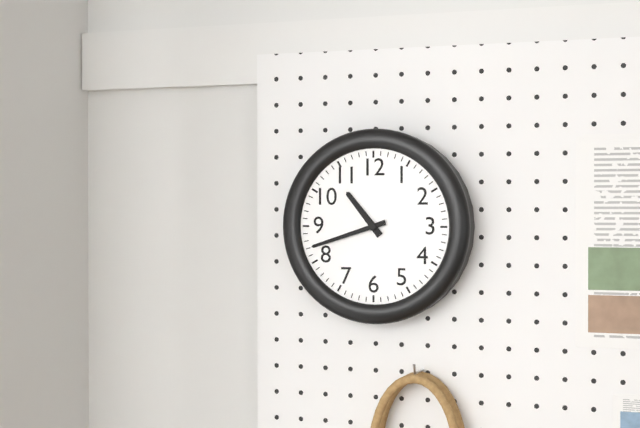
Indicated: 10,42
